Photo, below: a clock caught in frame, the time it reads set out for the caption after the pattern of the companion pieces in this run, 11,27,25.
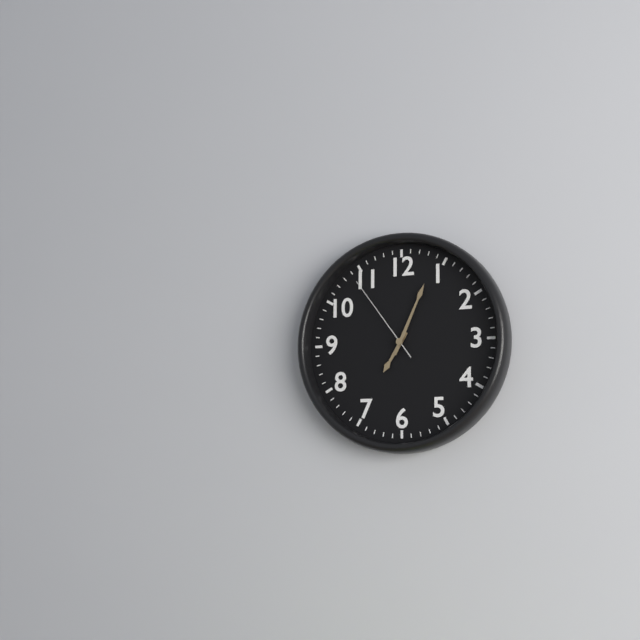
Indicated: 7,04,54
